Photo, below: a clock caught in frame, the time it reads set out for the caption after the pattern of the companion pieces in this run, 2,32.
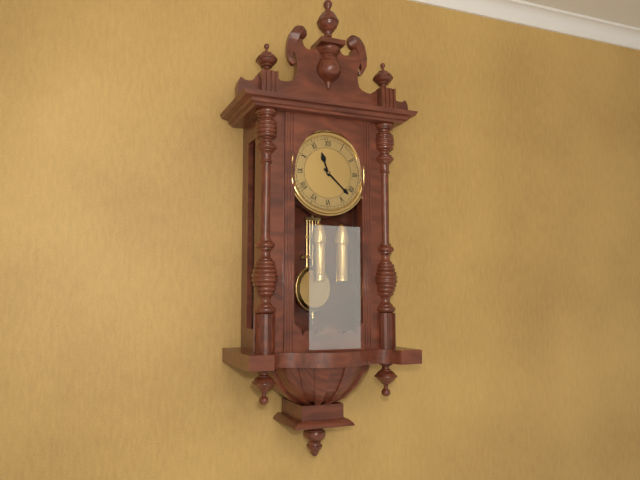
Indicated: 11,22
